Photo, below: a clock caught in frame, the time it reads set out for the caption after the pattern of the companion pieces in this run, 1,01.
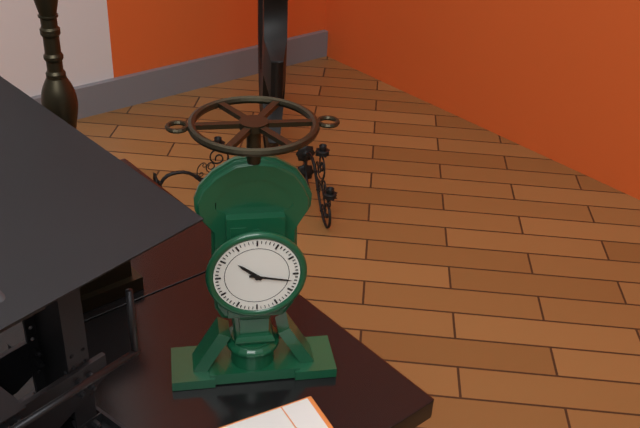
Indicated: 10,17
